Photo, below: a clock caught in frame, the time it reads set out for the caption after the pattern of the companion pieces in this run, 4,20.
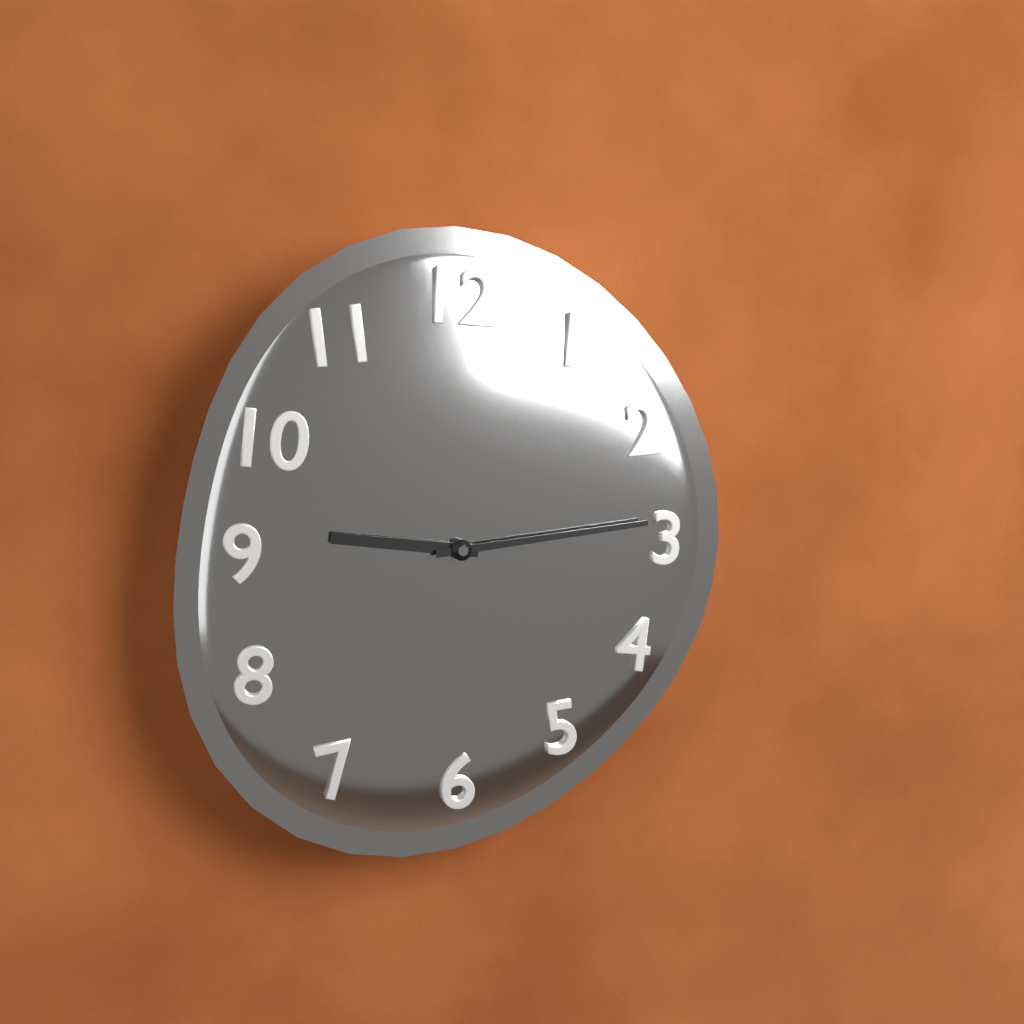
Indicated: 9,14
